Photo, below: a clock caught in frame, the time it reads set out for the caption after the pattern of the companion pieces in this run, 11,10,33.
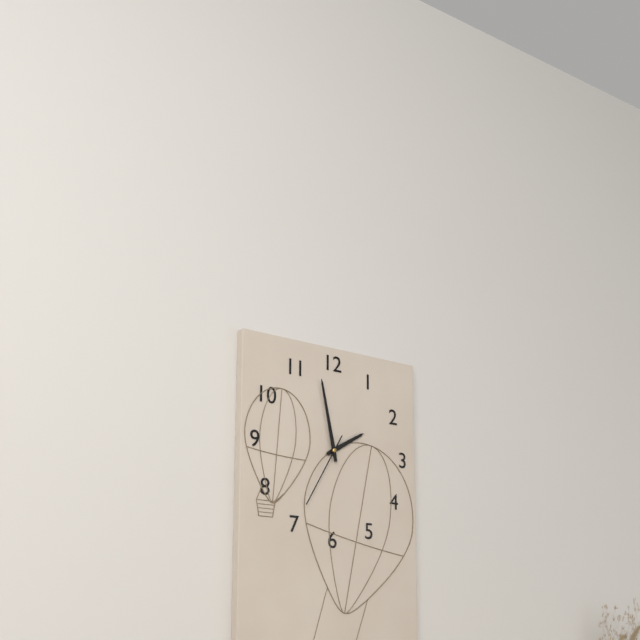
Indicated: 1,58,35
